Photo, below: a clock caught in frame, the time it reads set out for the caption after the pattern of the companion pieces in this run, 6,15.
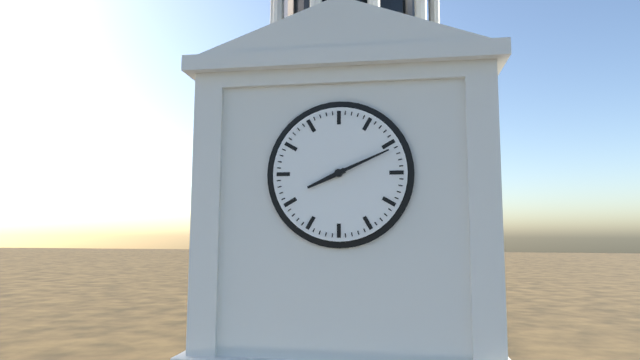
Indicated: 8,11
